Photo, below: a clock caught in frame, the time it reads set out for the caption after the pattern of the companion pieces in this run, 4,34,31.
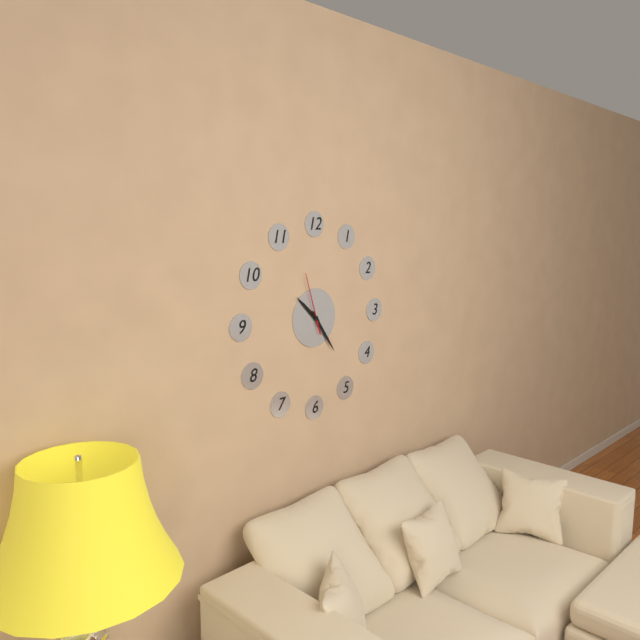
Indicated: 10,24,57
